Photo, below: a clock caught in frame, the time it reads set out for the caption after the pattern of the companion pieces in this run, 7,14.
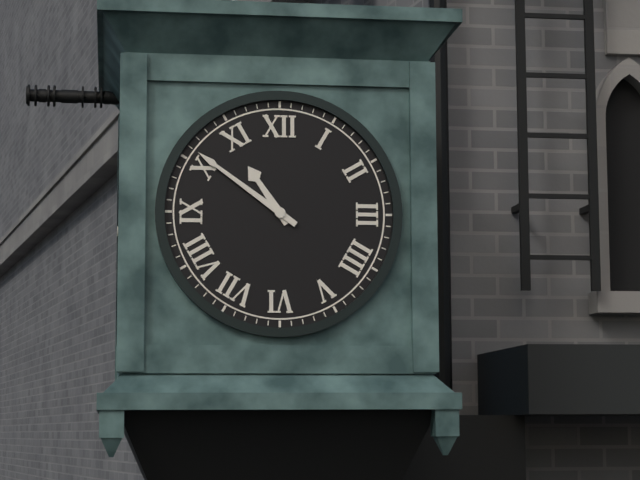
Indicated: 10,51
